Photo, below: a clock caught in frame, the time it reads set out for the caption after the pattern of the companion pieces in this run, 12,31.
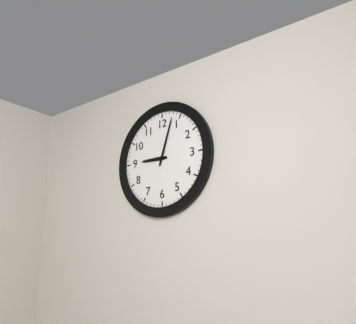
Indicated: 9,03
